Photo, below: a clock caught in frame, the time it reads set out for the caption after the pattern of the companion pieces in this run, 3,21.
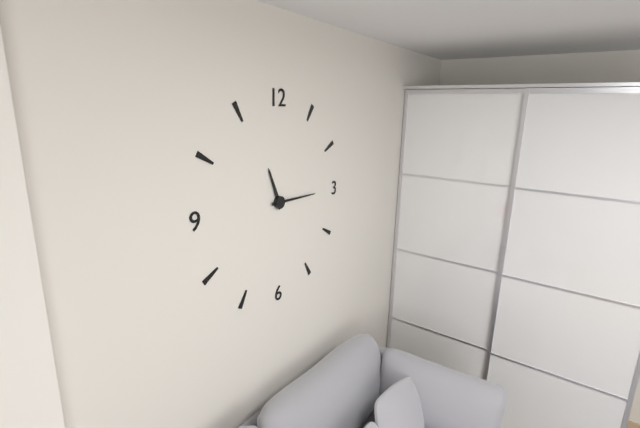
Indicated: 11,15
